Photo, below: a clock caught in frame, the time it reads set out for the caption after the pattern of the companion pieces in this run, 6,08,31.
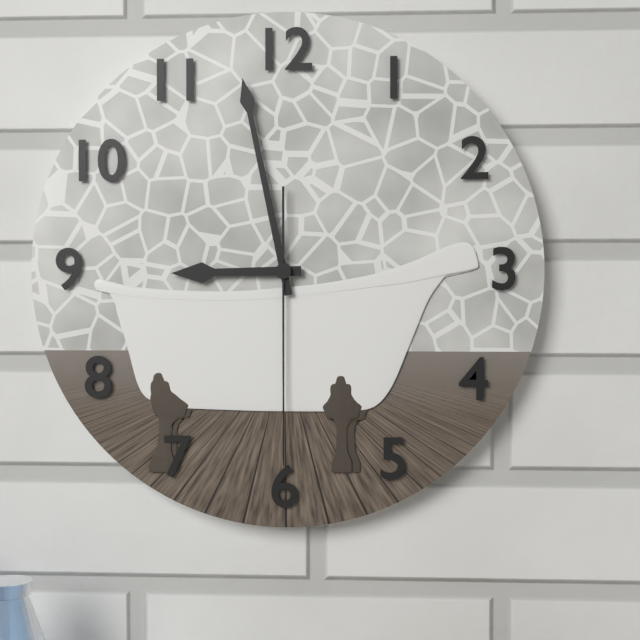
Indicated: 8,58,30
